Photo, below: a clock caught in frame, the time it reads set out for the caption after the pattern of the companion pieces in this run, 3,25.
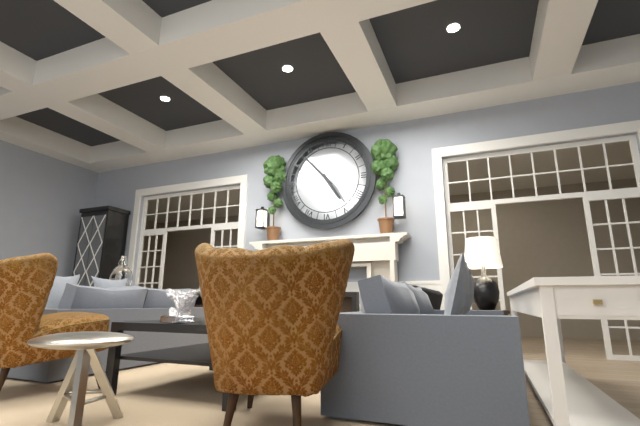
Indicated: 4,53
